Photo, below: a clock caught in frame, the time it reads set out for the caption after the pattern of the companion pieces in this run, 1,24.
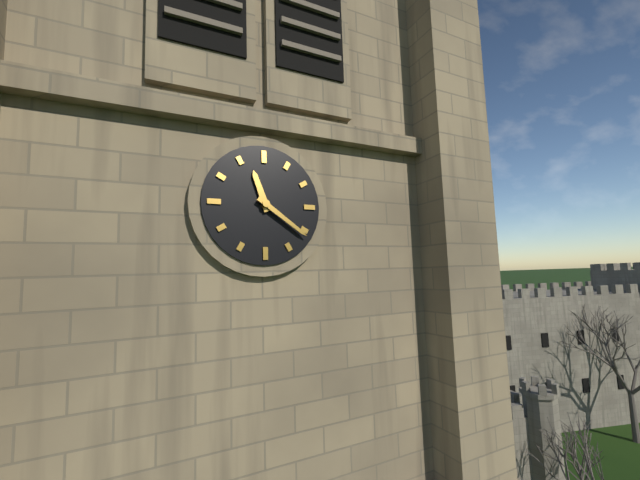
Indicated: 11,21
